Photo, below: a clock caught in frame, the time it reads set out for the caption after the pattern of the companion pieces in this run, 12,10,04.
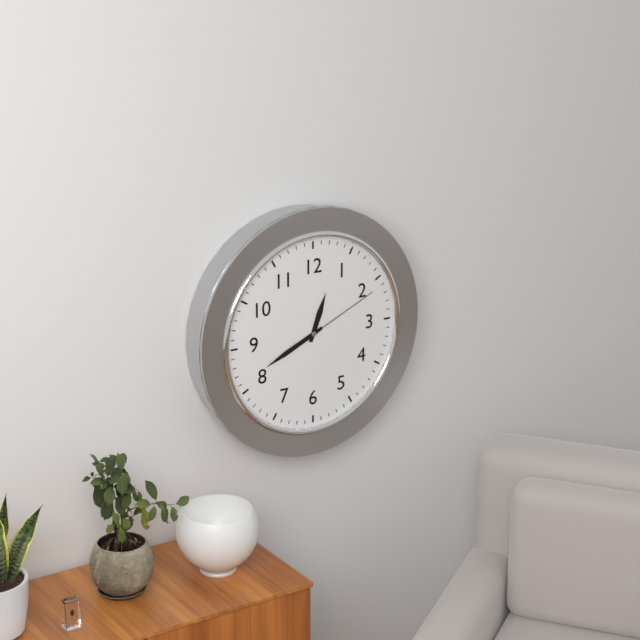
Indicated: 12,41,11
